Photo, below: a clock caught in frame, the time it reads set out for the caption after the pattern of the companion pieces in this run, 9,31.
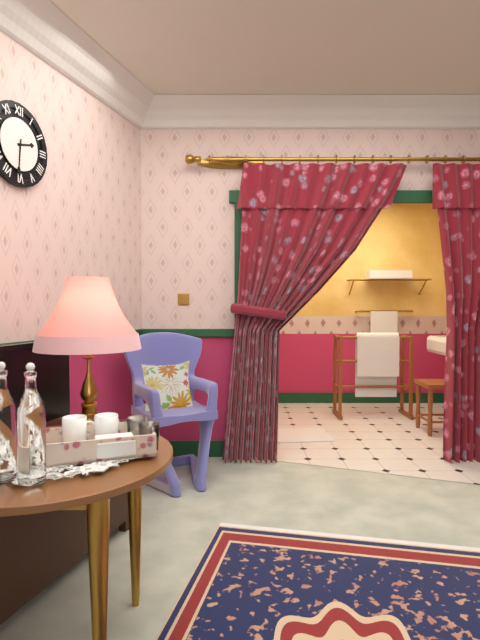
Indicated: 2,31
